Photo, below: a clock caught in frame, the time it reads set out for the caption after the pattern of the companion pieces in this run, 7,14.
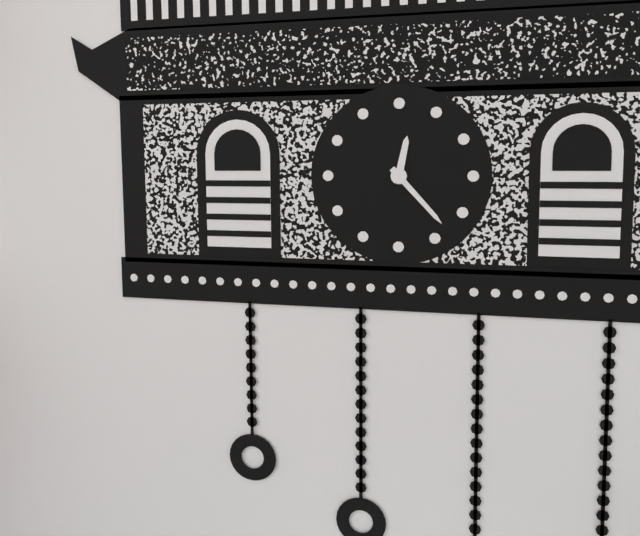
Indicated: 12,23
